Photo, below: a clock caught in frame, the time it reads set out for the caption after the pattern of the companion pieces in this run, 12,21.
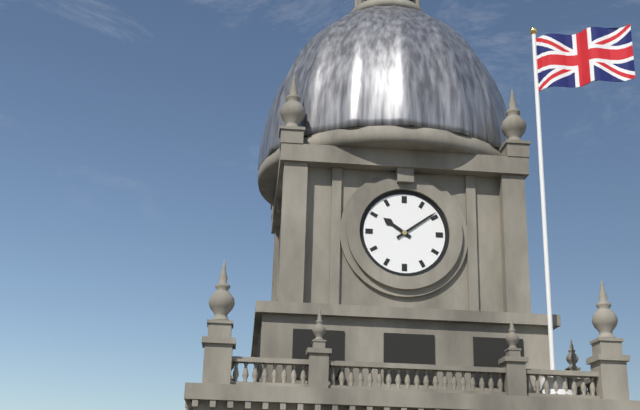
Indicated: 10,09
